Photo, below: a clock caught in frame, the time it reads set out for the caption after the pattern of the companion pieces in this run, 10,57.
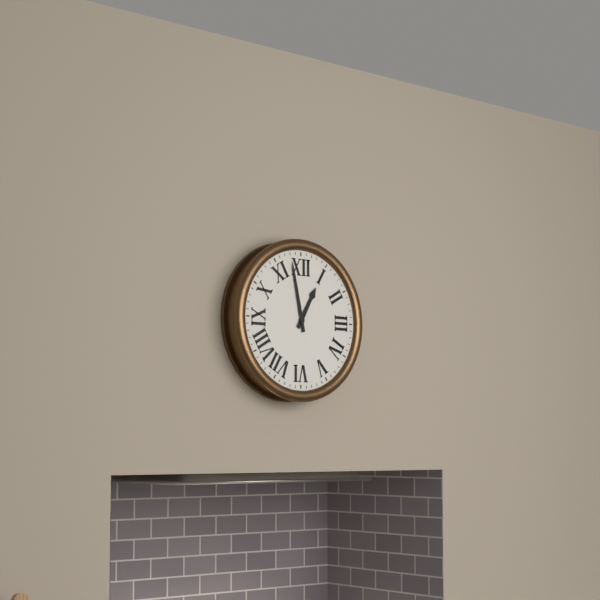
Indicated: 12,58
